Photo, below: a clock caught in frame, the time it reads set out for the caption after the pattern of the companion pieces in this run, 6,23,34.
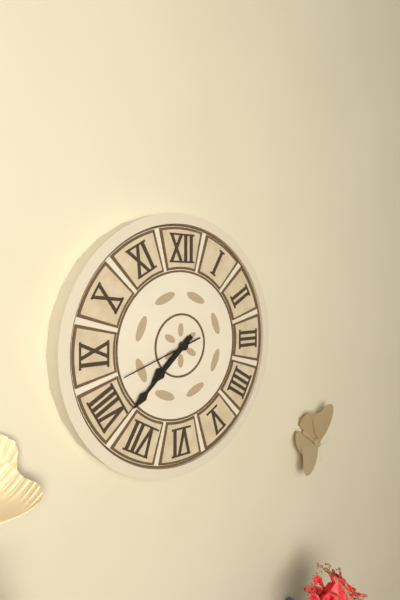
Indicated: 7,38,42
